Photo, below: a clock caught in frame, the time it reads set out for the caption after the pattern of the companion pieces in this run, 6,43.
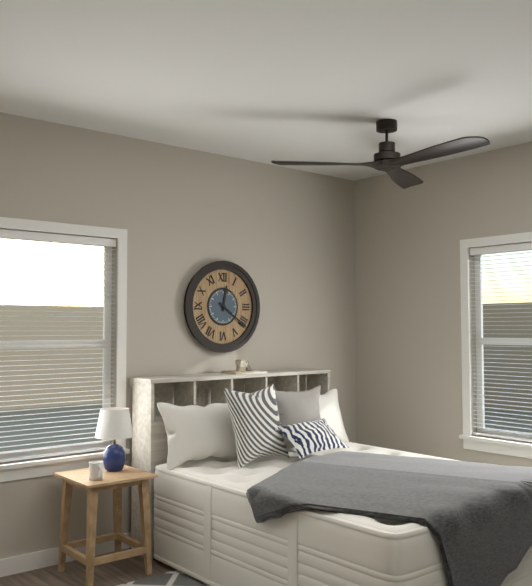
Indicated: 12,21
